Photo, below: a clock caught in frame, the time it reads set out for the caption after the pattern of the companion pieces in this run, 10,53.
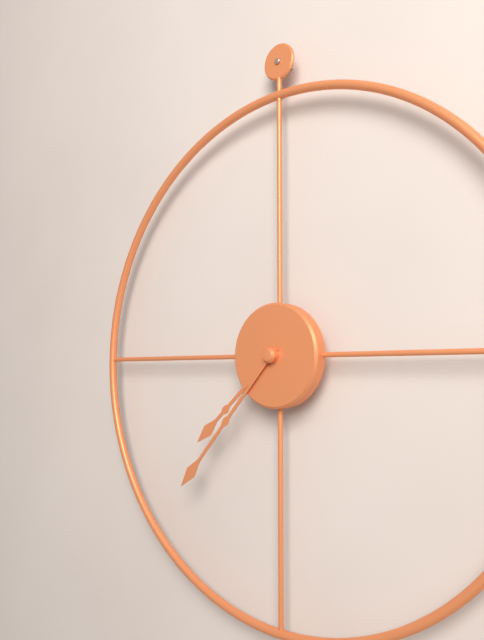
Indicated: 7,37
